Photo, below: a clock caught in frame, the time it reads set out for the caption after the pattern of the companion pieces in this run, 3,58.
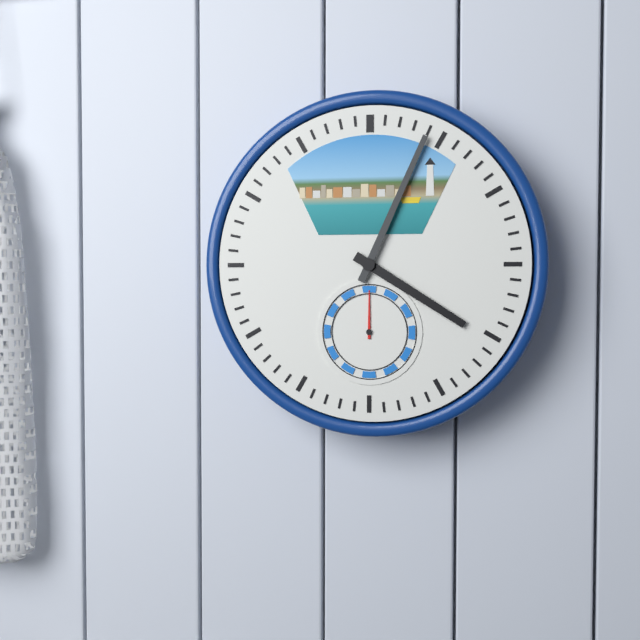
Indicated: 4,04
